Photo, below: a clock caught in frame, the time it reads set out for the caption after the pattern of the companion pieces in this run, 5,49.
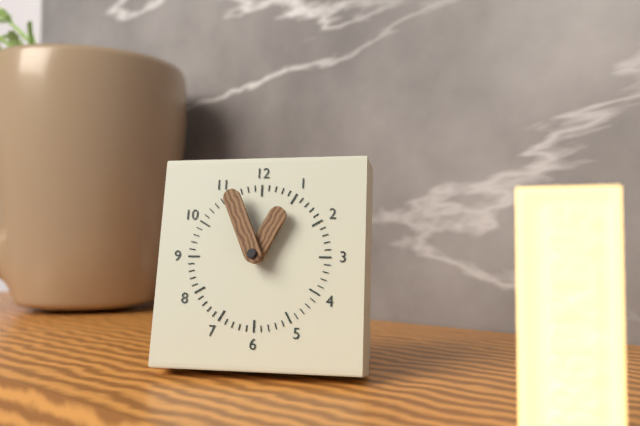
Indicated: 12,56
